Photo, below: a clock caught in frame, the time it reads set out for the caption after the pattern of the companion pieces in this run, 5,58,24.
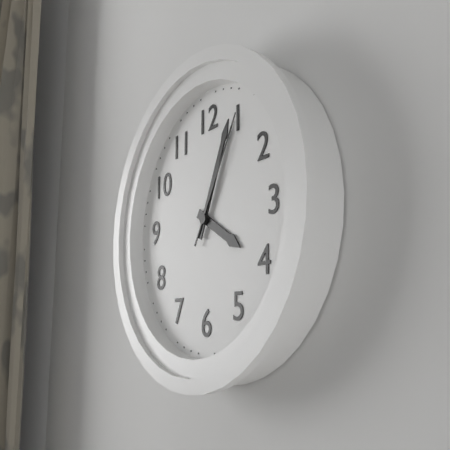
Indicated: 4,04,05
